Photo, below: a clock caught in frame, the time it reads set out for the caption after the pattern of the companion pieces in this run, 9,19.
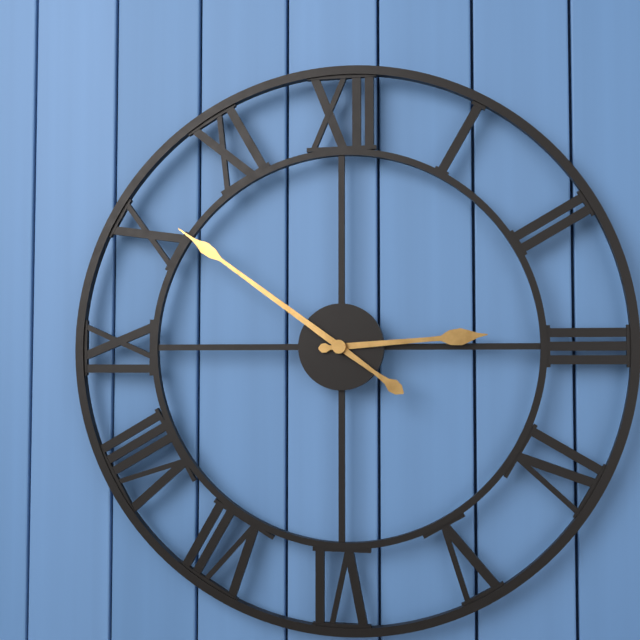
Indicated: 2,51
